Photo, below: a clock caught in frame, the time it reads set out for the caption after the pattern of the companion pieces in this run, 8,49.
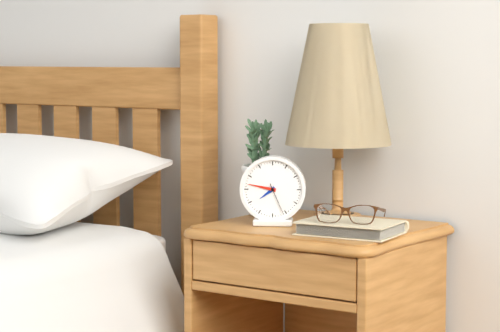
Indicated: 7,47
